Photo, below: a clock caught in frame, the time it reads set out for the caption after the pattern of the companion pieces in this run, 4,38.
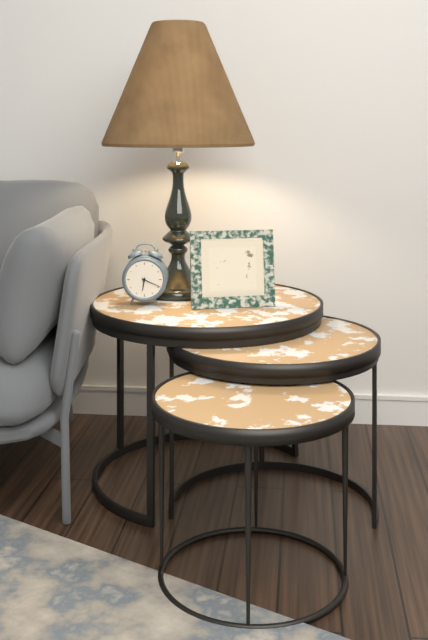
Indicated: 6,19
